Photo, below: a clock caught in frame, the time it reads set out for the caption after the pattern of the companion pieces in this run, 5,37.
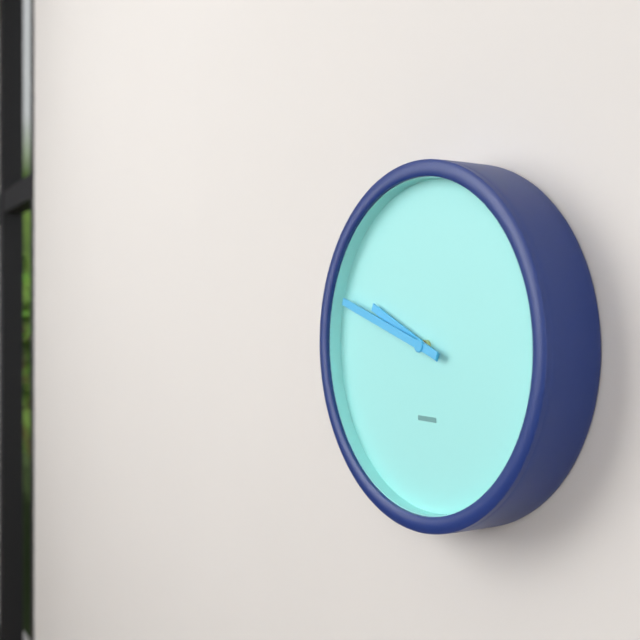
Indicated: 9,48
